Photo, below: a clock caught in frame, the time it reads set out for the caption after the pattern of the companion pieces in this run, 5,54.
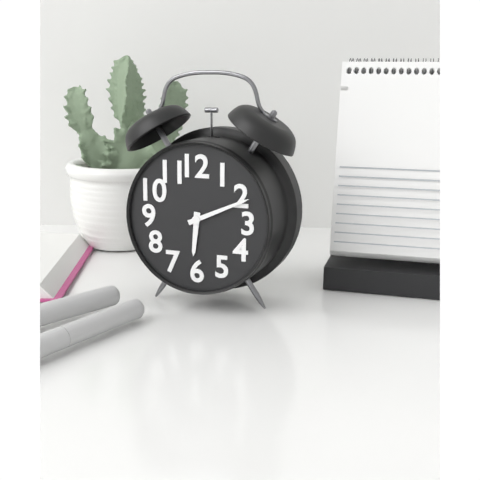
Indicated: 6,11
